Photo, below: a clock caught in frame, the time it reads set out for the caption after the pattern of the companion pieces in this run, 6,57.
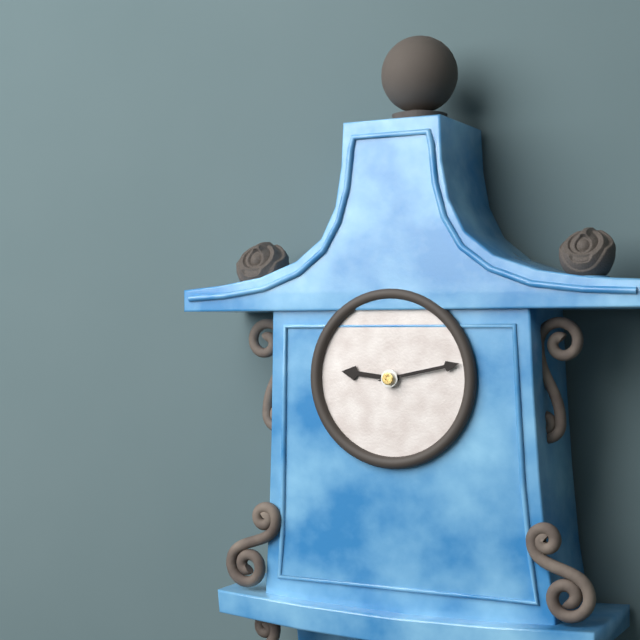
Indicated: 9,13
